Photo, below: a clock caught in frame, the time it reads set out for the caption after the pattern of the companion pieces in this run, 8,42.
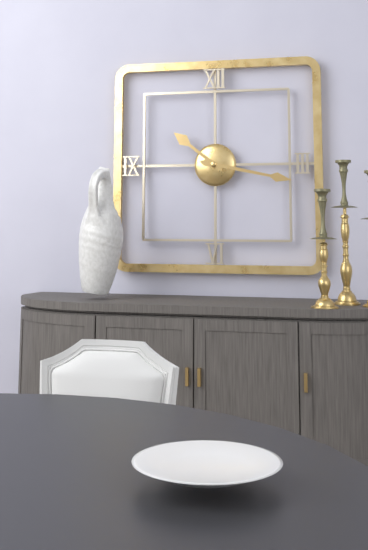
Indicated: 10,17
